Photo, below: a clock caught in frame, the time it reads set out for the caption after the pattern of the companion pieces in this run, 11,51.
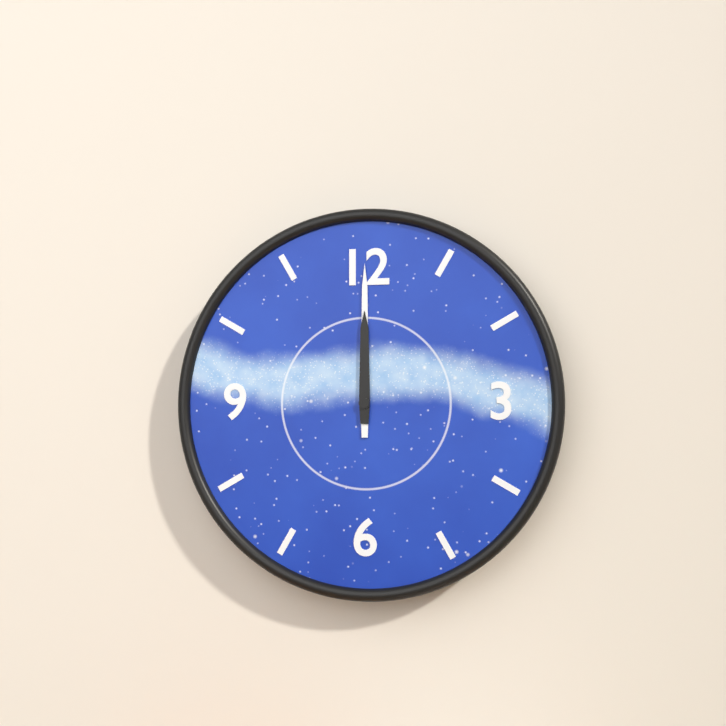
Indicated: 12,00
